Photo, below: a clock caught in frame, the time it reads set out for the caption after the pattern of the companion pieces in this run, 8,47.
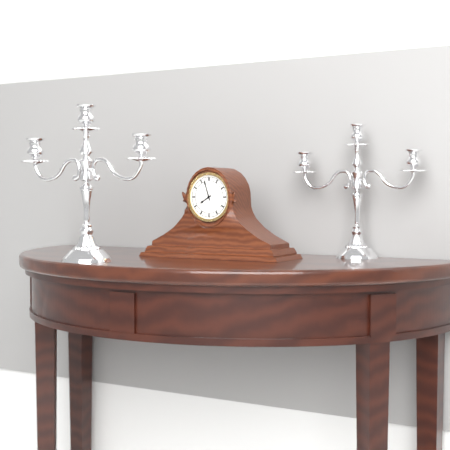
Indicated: 7,57
